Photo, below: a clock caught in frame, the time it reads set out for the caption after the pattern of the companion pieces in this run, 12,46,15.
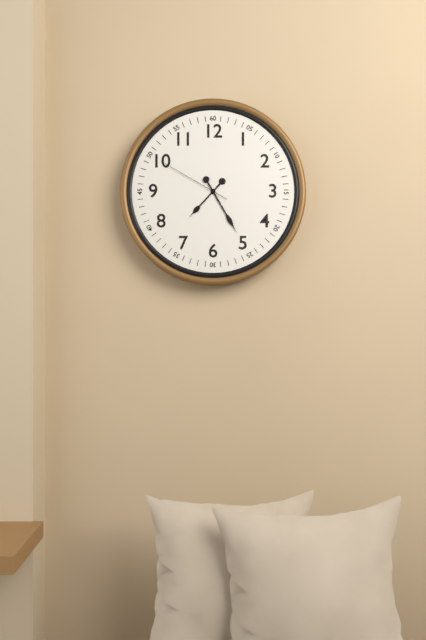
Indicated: 7,25,50
